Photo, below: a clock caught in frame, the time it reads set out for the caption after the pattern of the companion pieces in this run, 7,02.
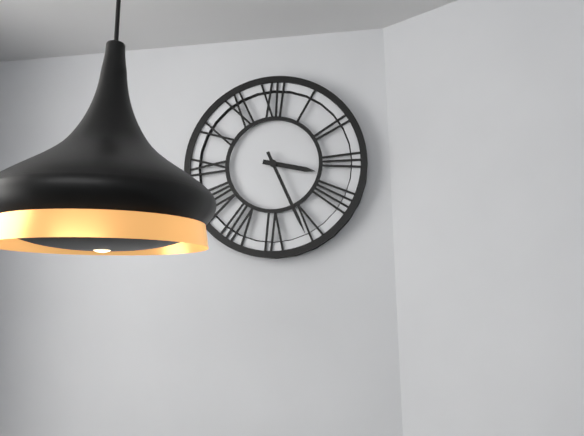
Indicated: 3,26
